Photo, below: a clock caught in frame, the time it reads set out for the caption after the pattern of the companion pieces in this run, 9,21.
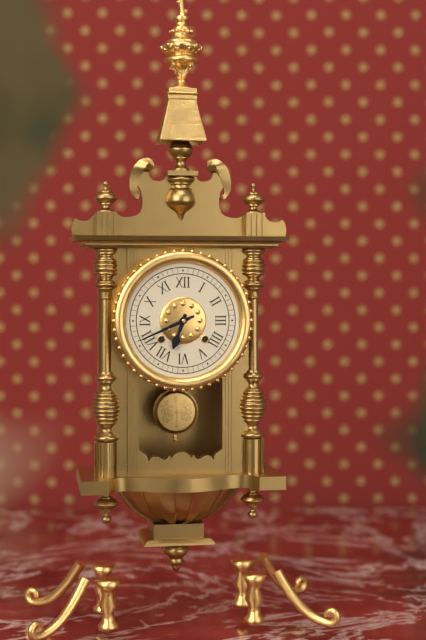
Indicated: 6,41
